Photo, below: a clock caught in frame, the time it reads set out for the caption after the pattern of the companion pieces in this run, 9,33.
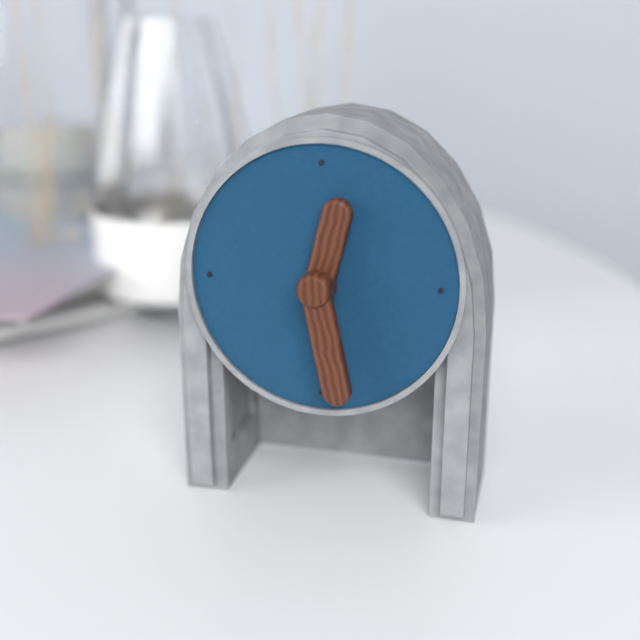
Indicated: 12,28
